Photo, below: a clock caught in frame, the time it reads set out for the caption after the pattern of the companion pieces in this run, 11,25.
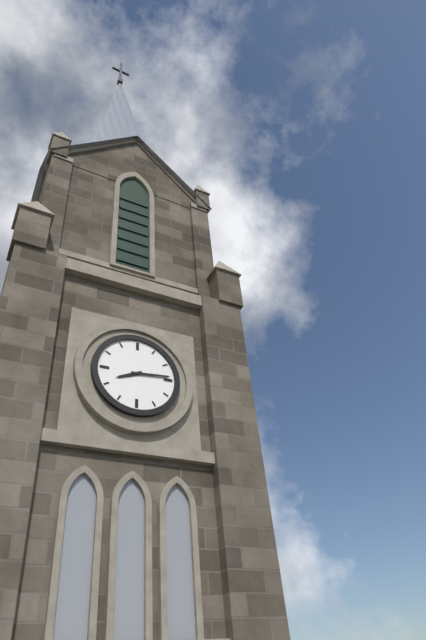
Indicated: 8,14
